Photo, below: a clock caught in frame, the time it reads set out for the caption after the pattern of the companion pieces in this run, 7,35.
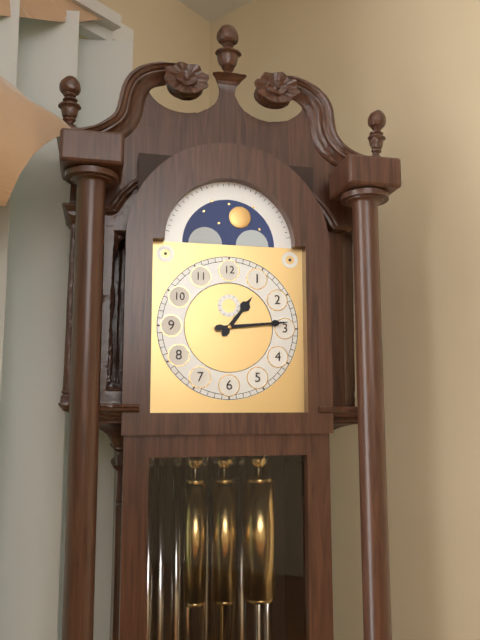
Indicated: 1,14
